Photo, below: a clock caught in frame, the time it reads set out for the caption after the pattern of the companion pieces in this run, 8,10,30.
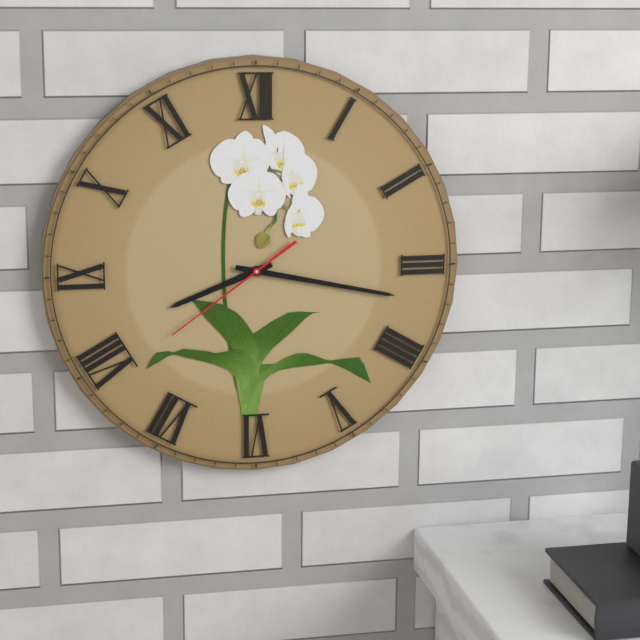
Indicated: 8,17,39
